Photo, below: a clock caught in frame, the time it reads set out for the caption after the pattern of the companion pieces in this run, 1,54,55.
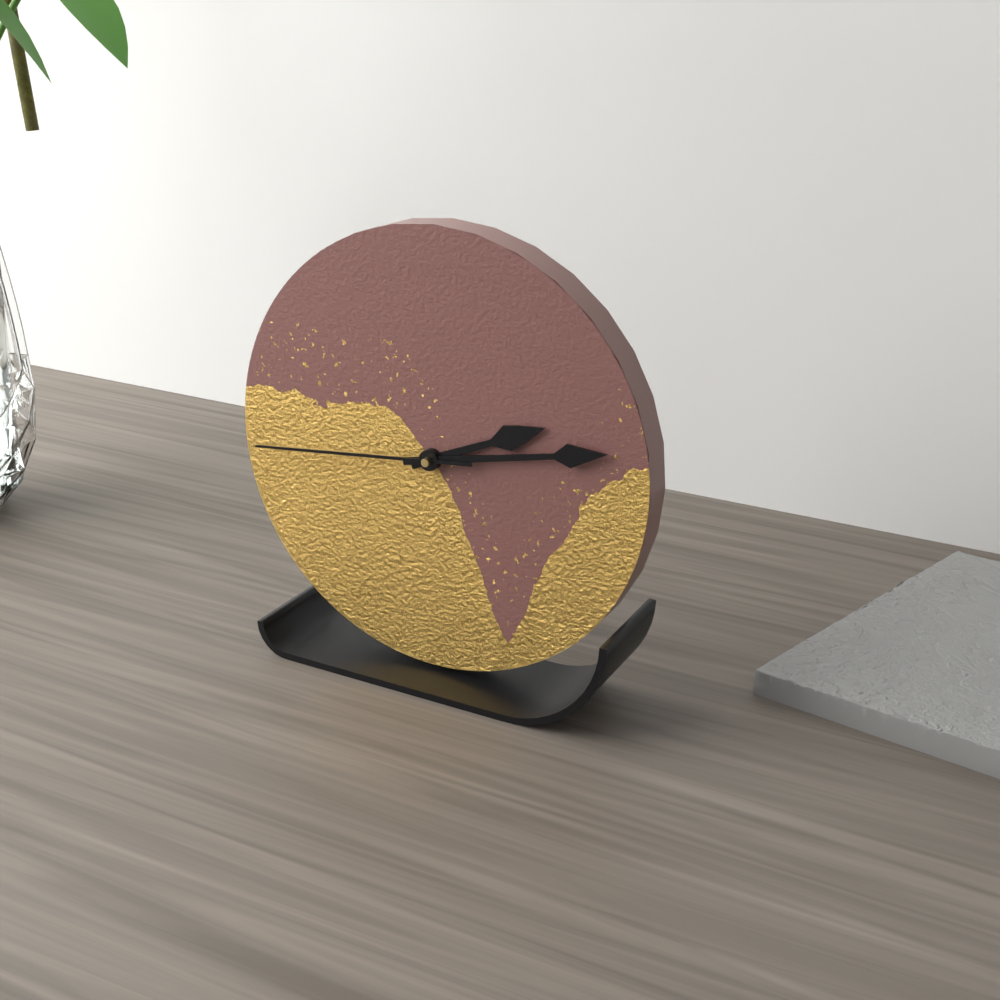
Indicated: 2,13,44
